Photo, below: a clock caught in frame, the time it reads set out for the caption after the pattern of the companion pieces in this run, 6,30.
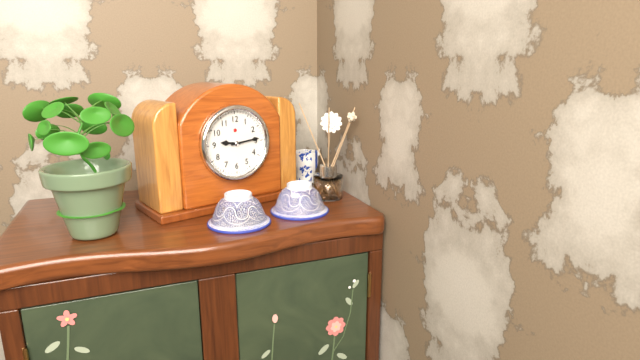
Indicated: 9,14
